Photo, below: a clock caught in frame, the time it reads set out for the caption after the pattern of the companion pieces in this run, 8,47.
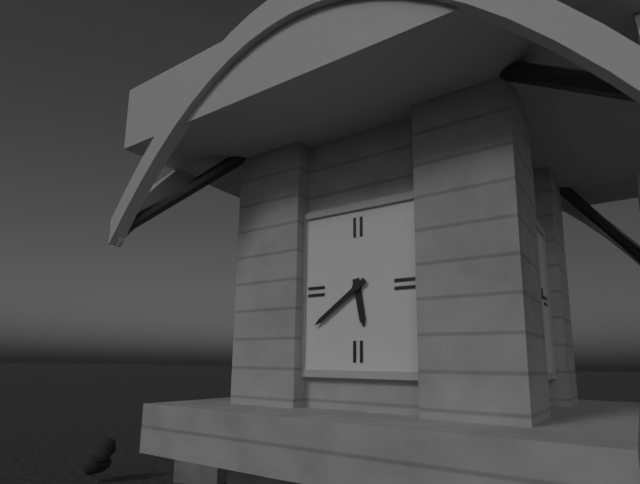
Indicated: 5,39
